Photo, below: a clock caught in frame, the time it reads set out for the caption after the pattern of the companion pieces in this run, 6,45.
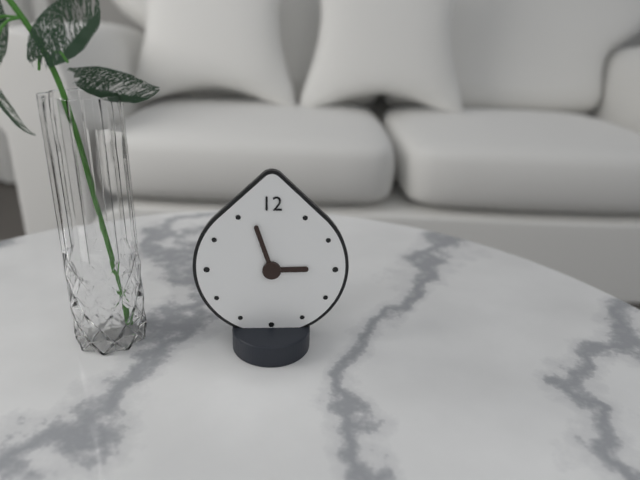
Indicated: 2,57
